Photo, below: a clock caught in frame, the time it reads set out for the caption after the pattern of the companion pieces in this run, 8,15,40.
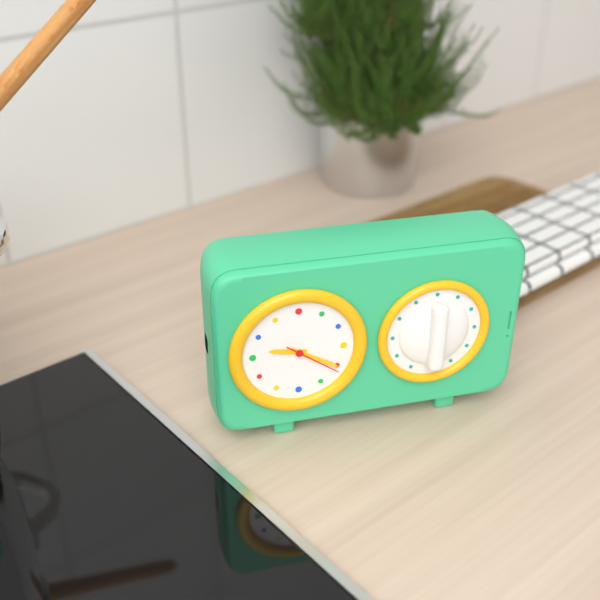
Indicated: 9,20,21
